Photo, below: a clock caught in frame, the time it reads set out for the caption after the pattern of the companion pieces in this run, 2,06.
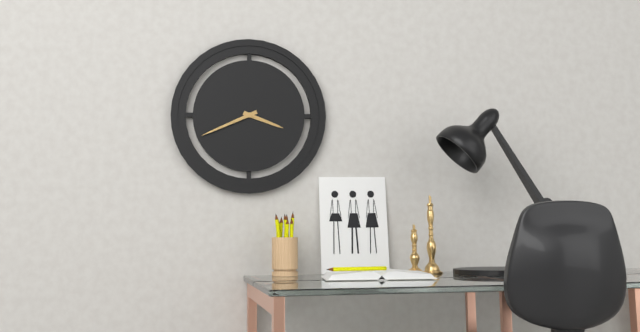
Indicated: 3,41
